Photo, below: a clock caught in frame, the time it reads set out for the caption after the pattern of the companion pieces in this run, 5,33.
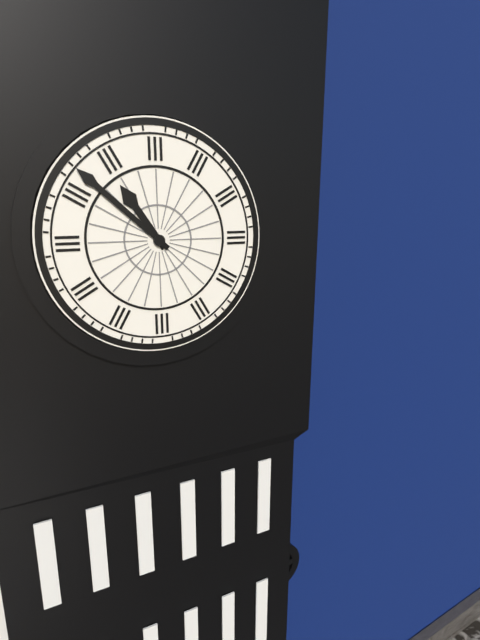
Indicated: 10,52
